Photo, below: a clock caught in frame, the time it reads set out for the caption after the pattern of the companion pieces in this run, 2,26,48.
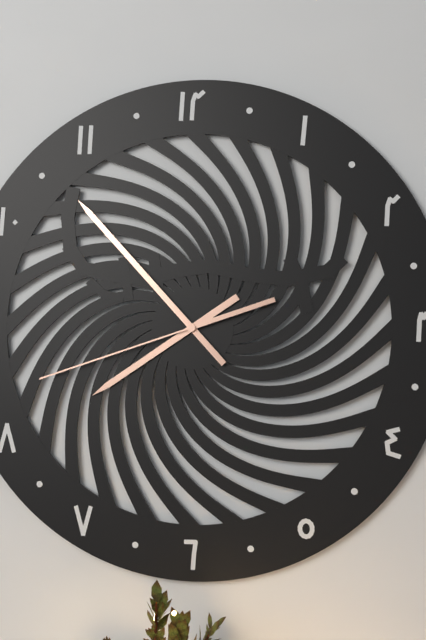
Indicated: 7,53,42
